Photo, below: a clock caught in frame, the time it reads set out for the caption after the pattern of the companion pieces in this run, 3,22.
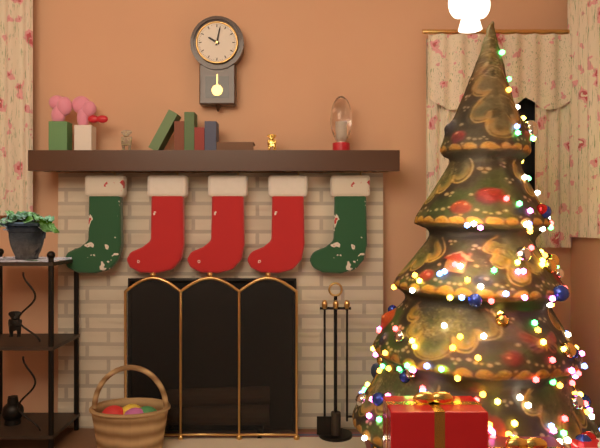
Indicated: 10,02
